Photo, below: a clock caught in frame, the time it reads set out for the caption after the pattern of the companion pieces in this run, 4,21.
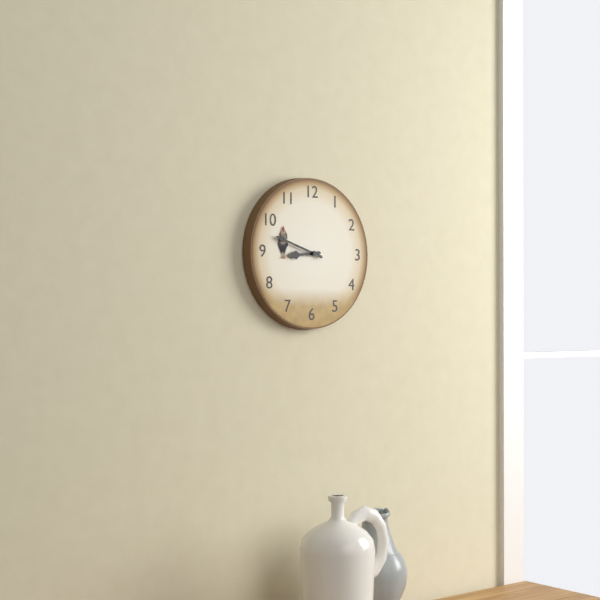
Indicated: 8,48
